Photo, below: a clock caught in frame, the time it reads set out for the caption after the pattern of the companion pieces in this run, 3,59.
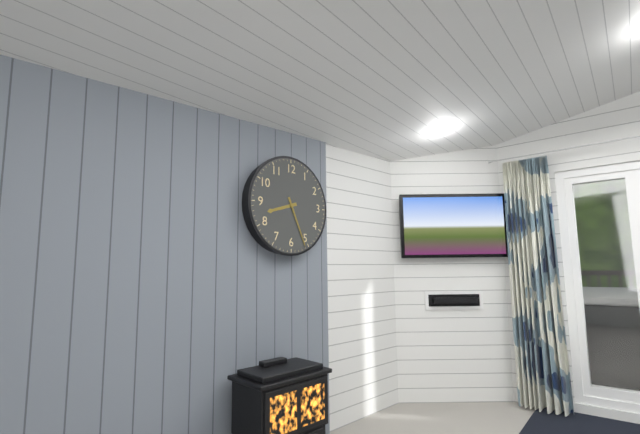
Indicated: 8,26
